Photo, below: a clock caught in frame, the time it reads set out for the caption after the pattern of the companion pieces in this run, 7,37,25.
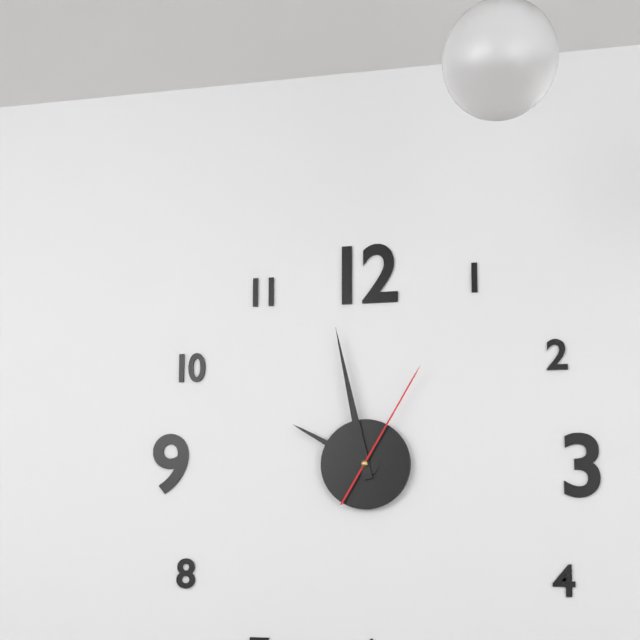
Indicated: 9,58,05
